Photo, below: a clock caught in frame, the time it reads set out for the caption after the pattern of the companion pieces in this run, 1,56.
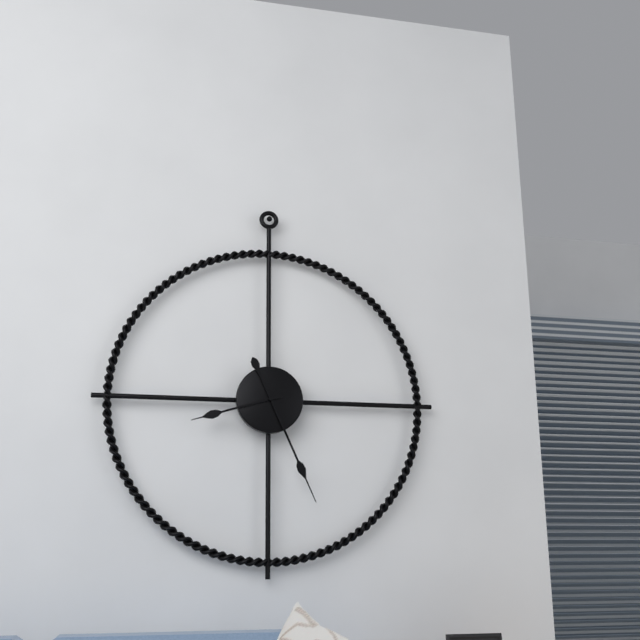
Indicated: 8,26
